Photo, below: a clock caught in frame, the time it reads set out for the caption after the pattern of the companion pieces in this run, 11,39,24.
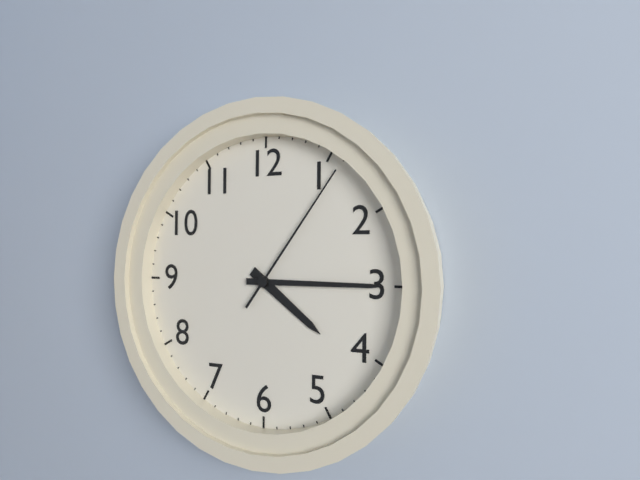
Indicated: 4,15,06
